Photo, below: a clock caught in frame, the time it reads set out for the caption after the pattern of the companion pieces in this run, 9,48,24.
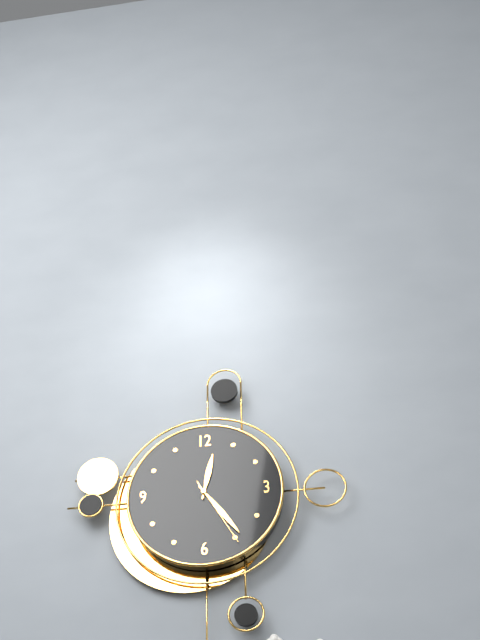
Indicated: 12,24,25
